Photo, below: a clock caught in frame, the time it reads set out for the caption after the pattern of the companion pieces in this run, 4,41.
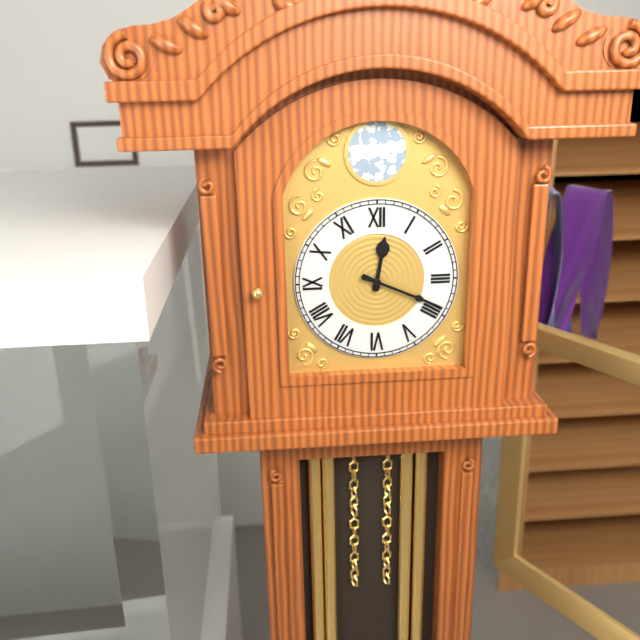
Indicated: 12,19
